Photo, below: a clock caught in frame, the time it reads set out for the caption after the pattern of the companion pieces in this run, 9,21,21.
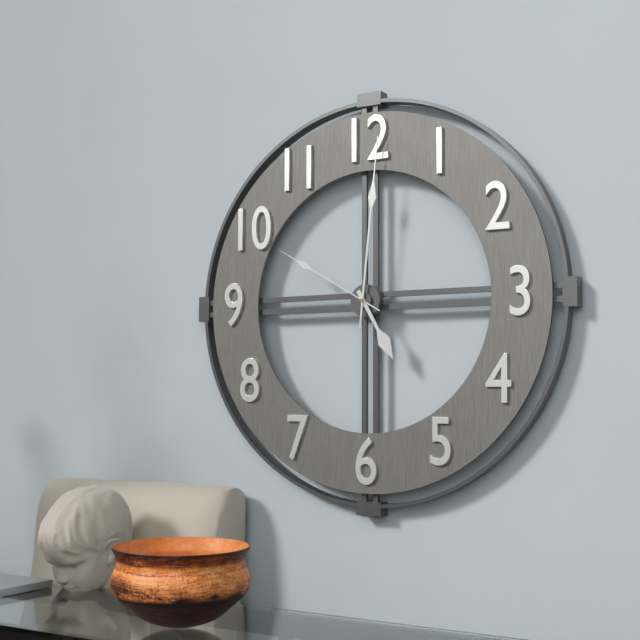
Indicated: 5,01,50
